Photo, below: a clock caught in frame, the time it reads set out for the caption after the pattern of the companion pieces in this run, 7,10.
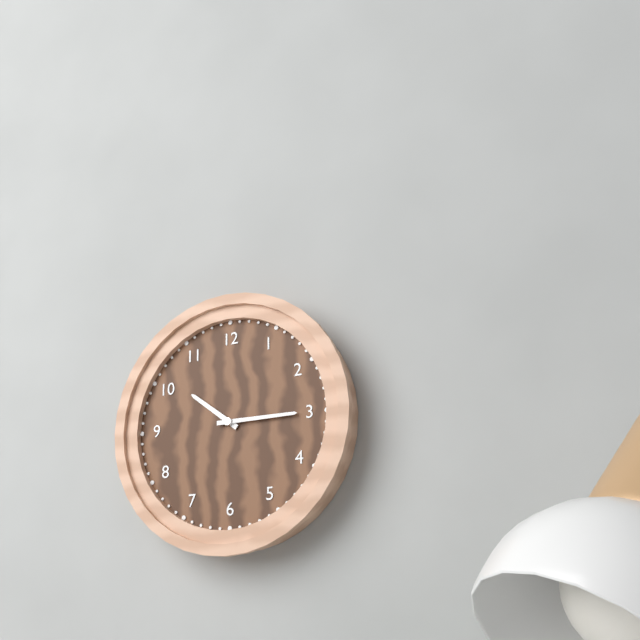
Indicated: 10,15
